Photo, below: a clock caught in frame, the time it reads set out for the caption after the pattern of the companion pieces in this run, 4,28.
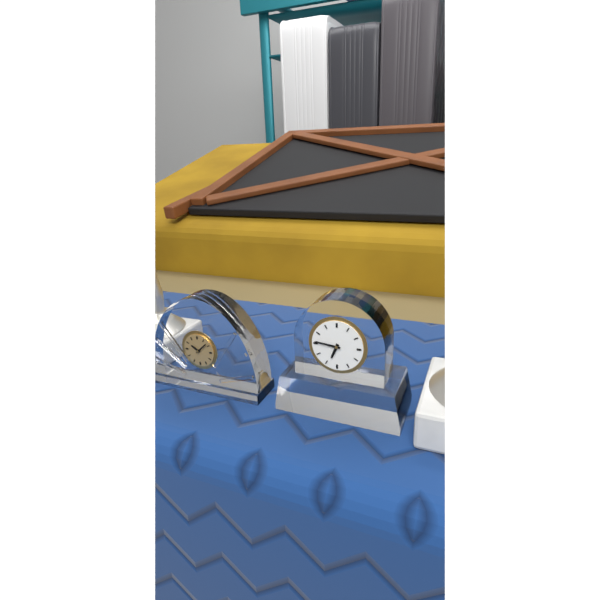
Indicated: 6,46
